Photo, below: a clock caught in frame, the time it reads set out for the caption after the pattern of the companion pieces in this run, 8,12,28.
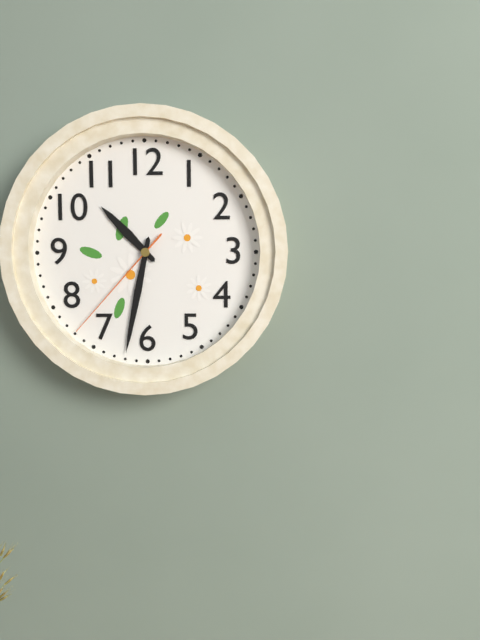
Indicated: 10,32,37
